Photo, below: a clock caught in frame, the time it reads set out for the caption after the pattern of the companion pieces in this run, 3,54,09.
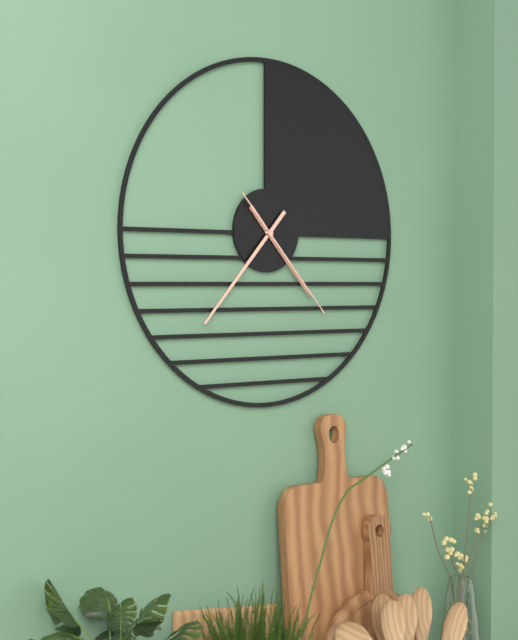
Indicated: 4,37,23
